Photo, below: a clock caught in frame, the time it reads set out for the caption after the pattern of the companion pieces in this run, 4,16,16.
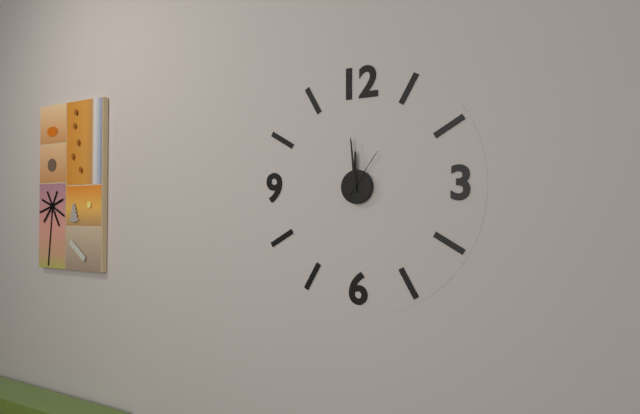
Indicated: 11,59,06
